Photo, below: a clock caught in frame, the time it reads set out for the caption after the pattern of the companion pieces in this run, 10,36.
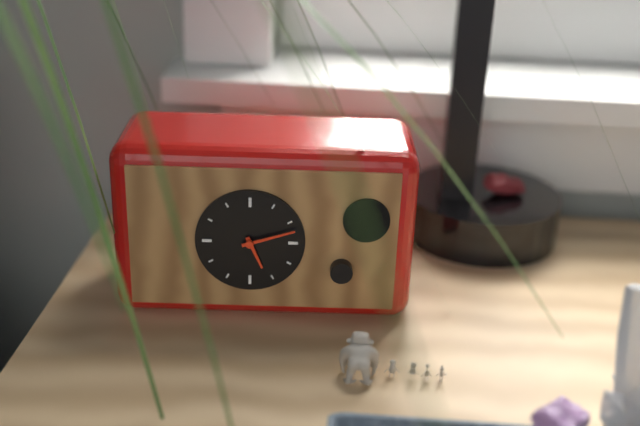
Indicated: 5,12
